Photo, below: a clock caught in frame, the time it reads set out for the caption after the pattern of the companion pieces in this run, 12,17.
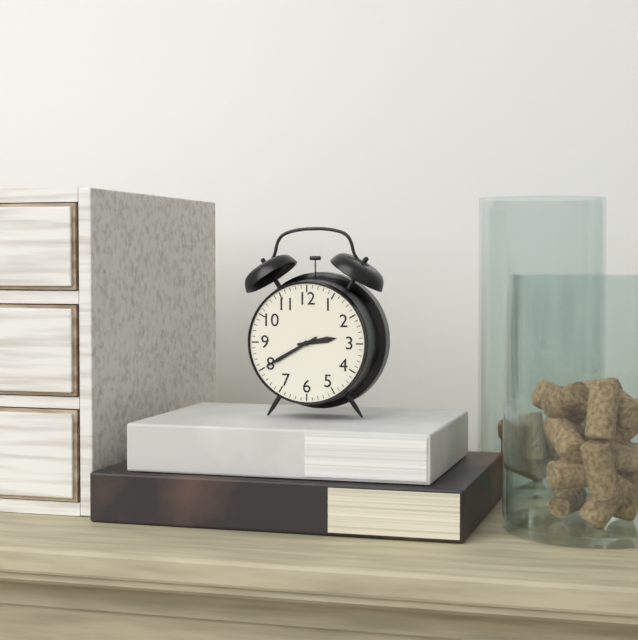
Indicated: 2,40
